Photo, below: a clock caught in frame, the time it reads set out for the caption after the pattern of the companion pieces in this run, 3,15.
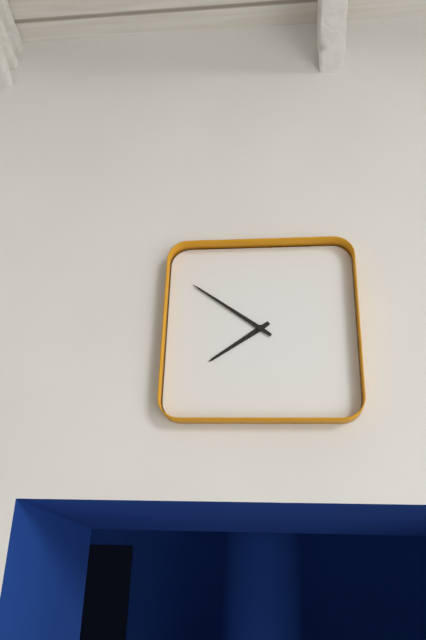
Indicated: 7,51
